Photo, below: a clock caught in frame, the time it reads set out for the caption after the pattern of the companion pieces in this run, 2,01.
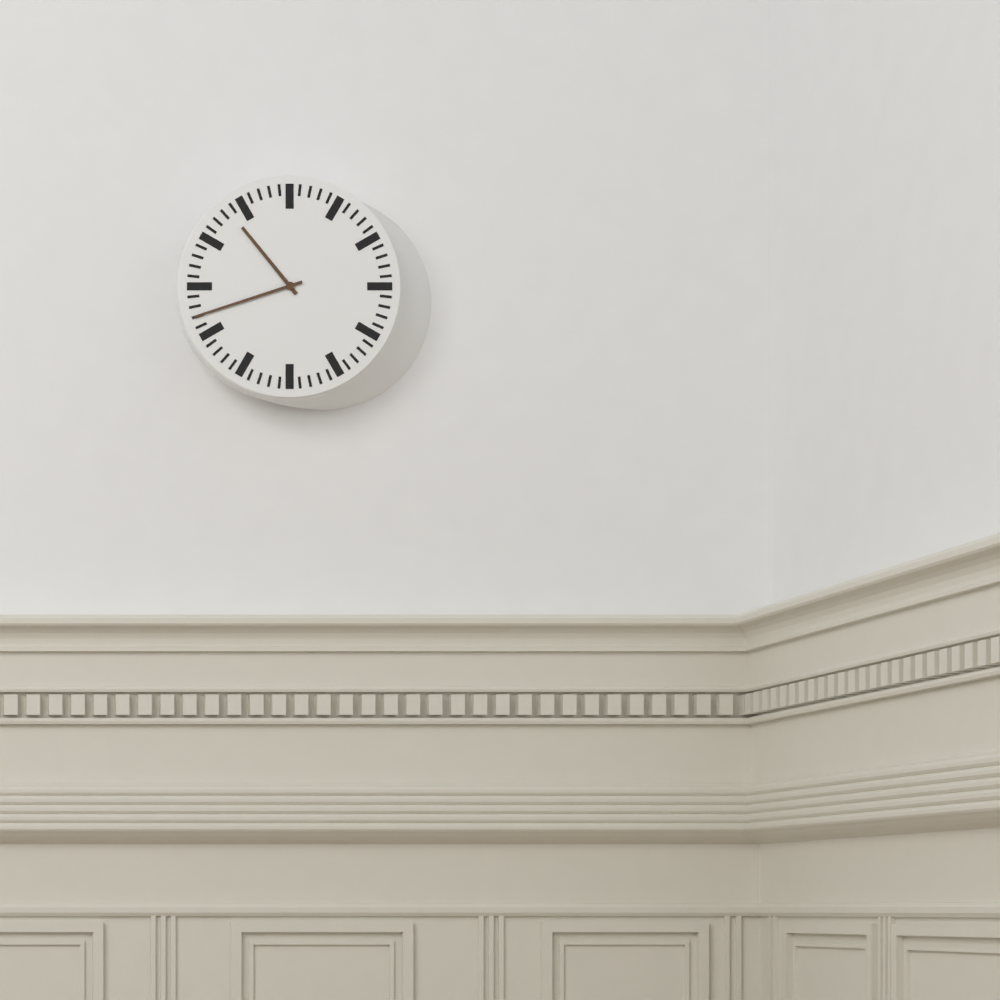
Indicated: 10,42
